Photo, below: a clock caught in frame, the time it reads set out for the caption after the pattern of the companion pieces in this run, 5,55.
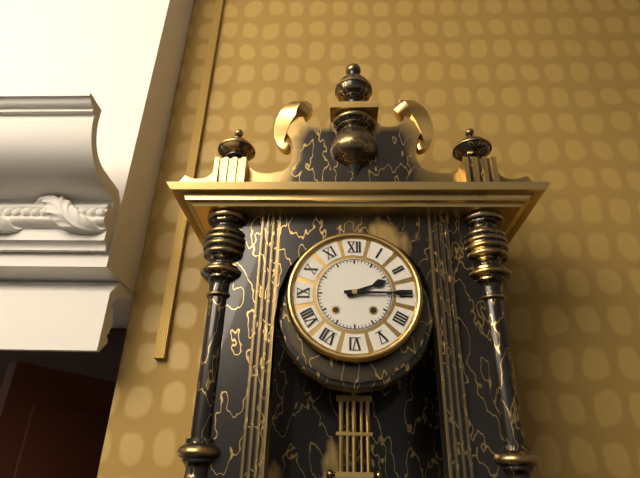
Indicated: 2,15
